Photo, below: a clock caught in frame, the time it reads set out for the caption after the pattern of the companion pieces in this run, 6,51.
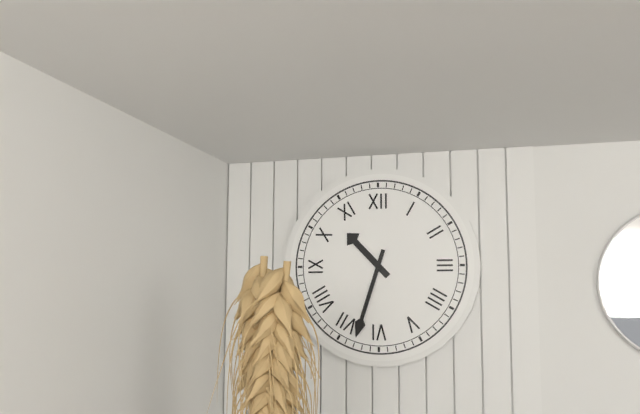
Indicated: 10,33
